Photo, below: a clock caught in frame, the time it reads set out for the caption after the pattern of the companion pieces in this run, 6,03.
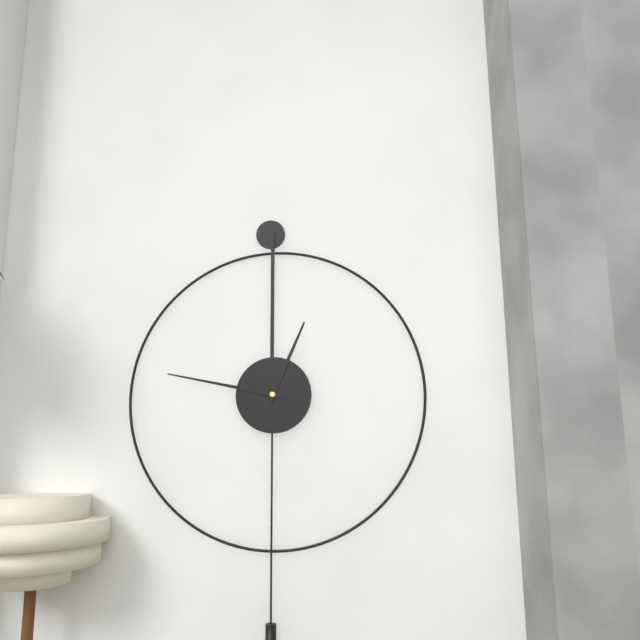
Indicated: 12,47
